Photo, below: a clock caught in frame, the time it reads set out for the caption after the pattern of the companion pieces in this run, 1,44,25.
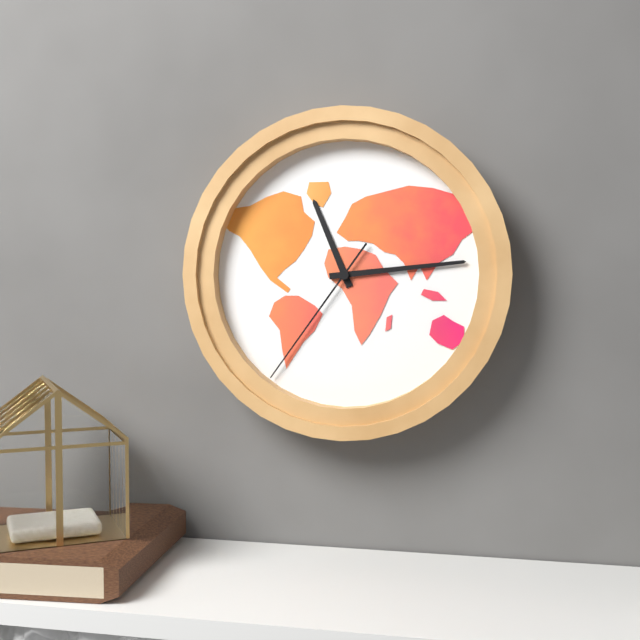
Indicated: 11,14,36
